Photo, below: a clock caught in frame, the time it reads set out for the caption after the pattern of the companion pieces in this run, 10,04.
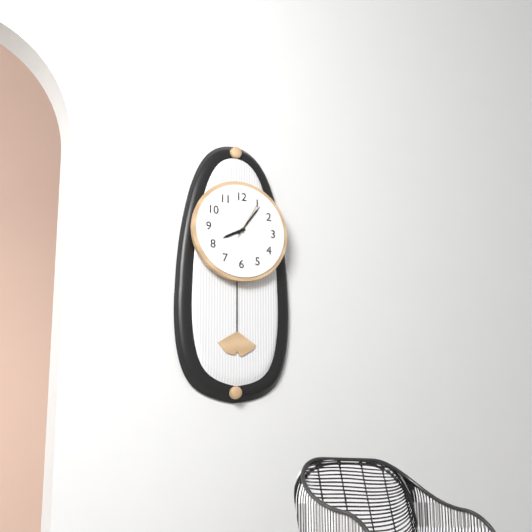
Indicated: 8,06
